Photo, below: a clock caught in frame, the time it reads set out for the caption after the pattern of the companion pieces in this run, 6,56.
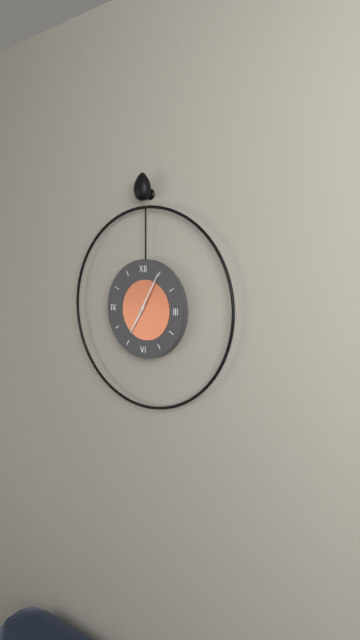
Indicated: 7,05
